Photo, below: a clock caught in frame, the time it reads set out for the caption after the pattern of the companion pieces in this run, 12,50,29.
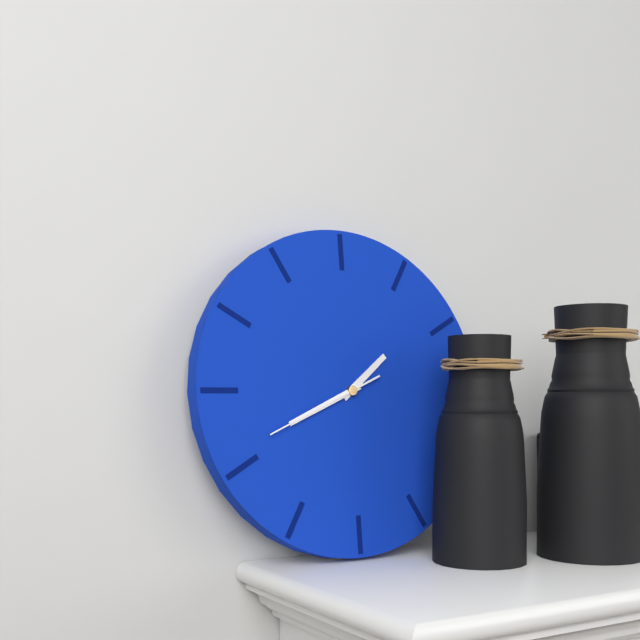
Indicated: 1,41,41
